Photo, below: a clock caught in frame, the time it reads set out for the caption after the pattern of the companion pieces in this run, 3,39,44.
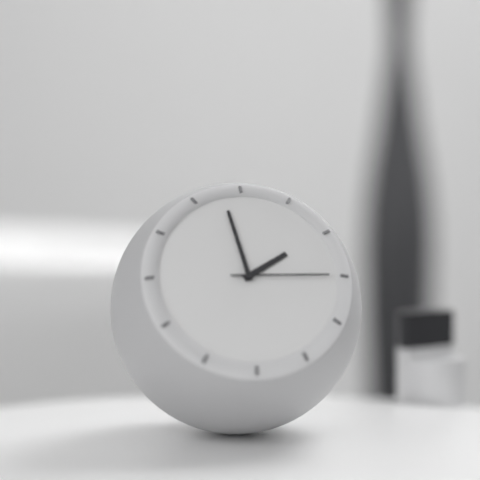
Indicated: 1,58,15
